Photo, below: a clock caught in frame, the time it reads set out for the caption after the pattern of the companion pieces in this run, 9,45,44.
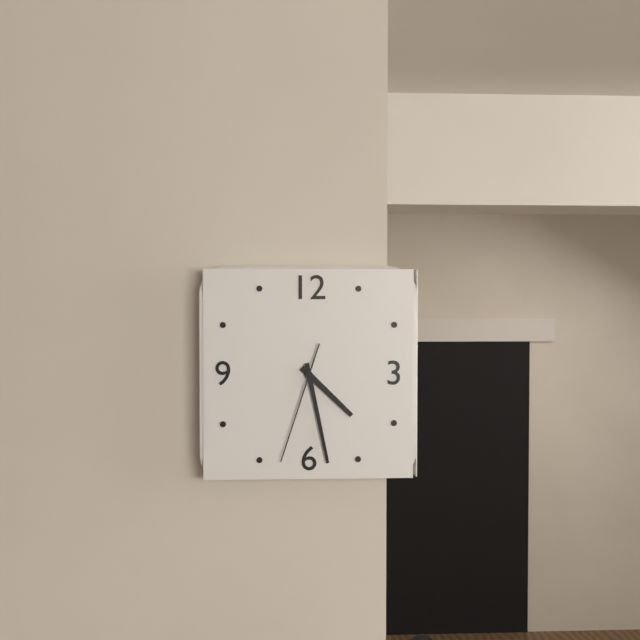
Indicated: 4,28,33
